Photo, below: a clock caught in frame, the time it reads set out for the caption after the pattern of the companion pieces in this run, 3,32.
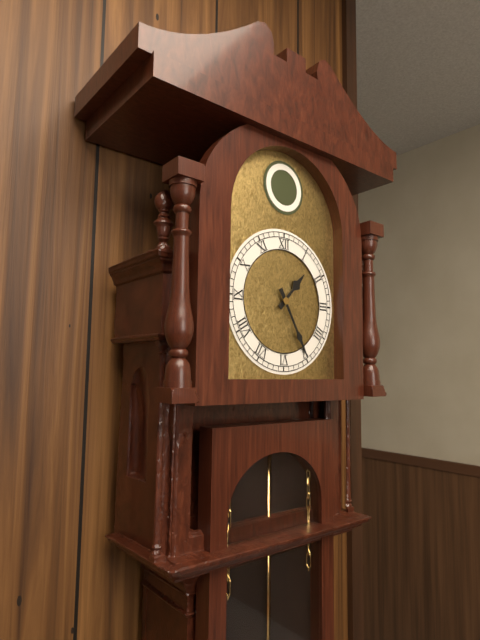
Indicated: 1,25
